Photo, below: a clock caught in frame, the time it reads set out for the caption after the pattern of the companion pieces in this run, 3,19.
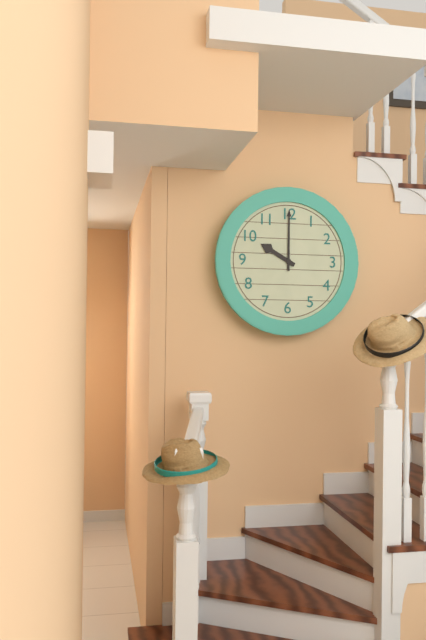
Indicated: 10,00
